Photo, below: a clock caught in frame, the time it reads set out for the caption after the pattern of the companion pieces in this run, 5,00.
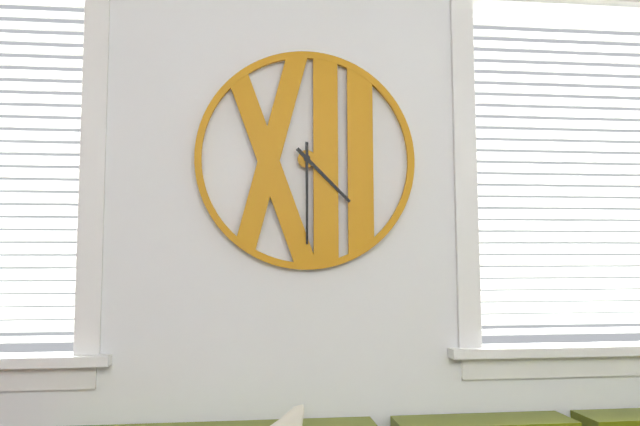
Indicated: 4,30
